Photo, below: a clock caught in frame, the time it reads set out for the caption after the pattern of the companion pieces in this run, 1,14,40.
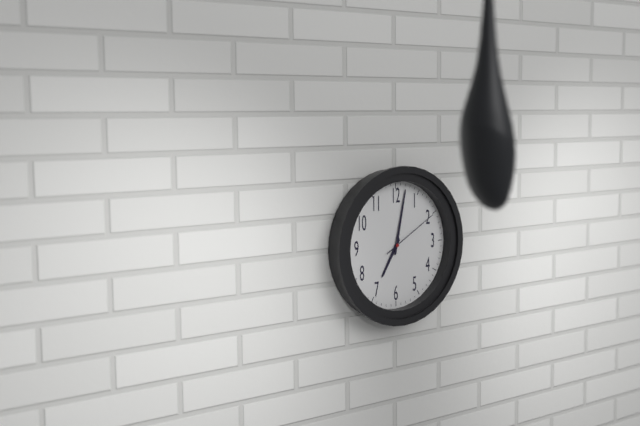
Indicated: 7,02,10
